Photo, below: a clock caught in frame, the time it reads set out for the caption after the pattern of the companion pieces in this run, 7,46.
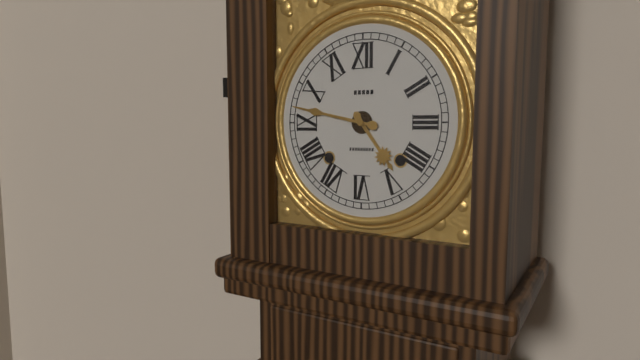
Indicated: 4,47
